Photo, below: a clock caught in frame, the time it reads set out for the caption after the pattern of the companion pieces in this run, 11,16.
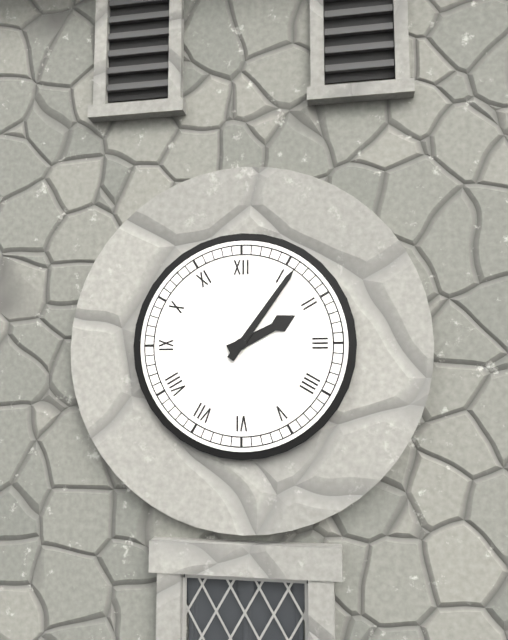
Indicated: 2,06
